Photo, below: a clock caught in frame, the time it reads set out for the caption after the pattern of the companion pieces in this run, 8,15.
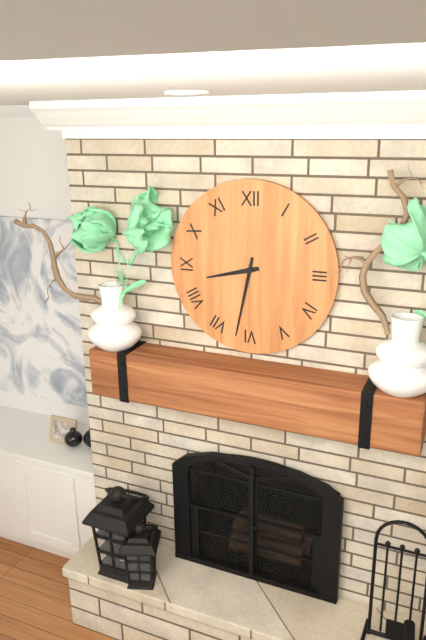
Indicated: 8,32
